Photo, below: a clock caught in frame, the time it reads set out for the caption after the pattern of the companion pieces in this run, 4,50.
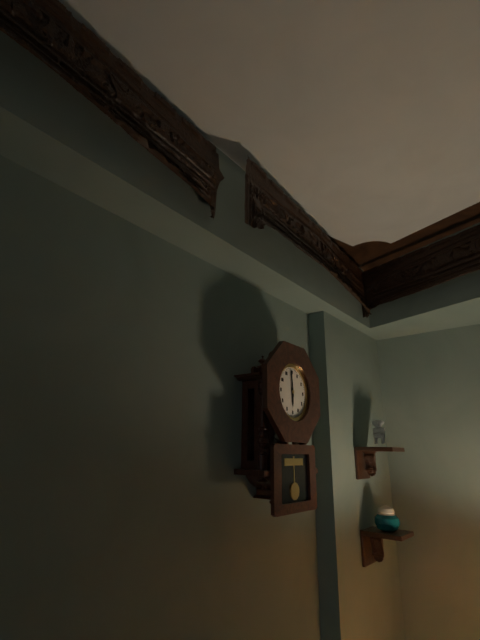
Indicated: 5,59
